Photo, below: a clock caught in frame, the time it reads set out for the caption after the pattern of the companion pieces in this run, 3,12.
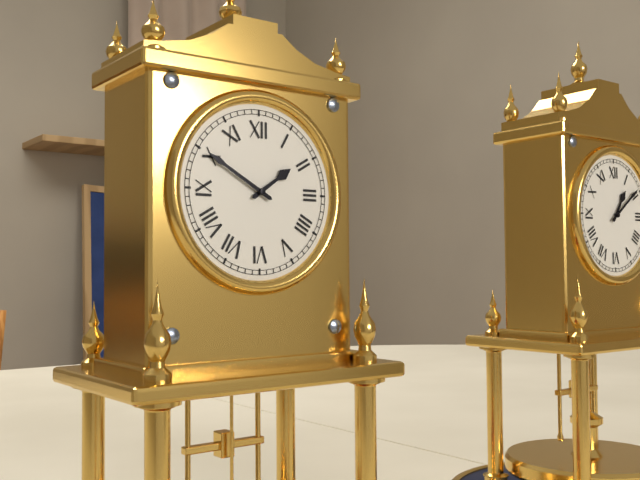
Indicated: 1,50
